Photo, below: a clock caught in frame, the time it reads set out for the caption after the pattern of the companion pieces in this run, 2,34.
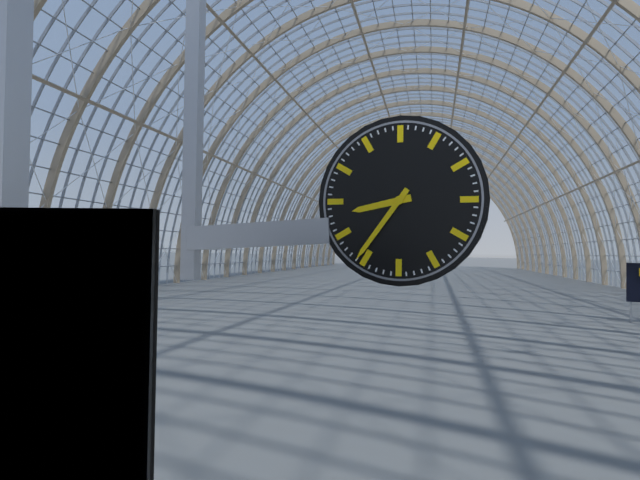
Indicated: 8,36
